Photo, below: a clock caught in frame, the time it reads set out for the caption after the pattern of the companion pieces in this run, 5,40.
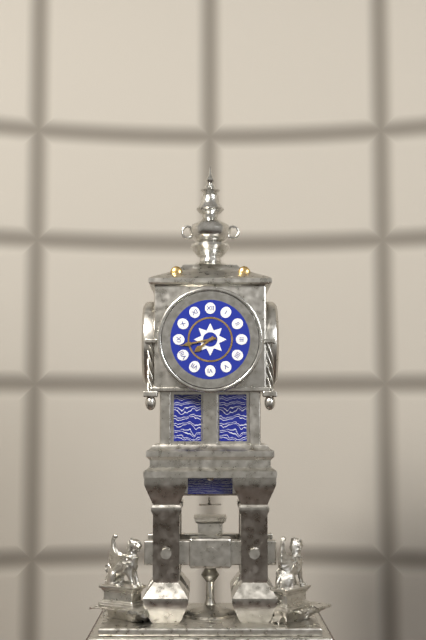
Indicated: 7,43
